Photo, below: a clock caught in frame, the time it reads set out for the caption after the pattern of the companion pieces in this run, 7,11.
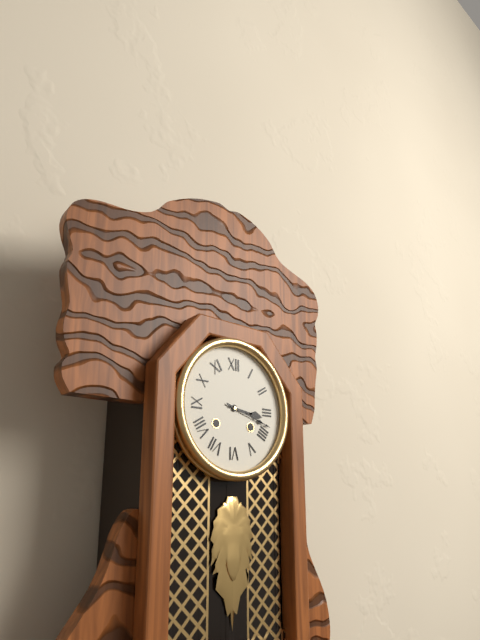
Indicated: 3,18
